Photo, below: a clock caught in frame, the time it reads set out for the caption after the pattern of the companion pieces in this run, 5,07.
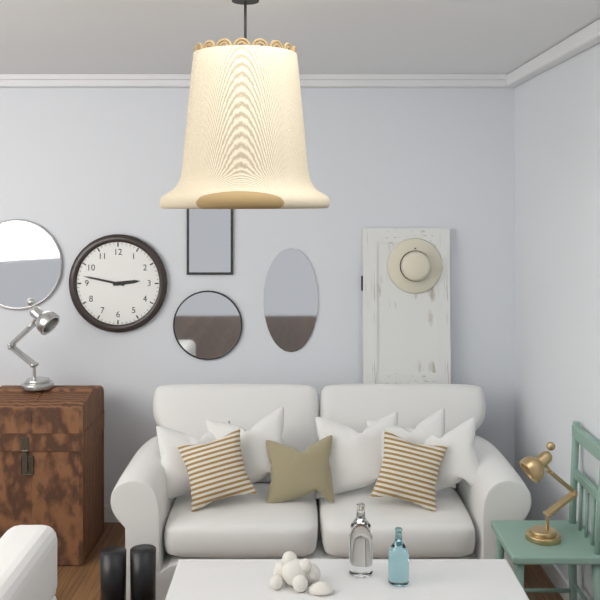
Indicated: 2,47
